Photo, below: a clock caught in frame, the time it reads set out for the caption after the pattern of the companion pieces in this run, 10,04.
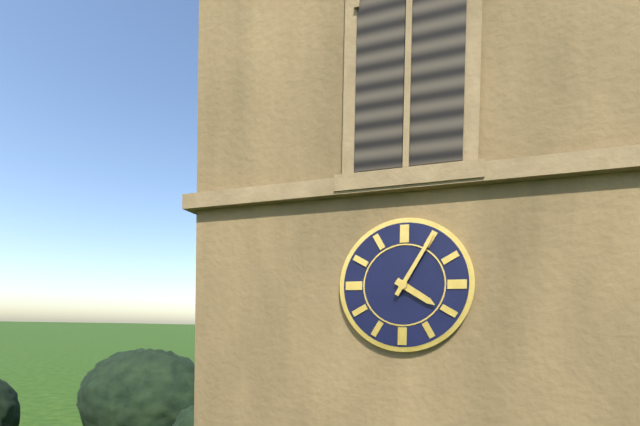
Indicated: 4,05
